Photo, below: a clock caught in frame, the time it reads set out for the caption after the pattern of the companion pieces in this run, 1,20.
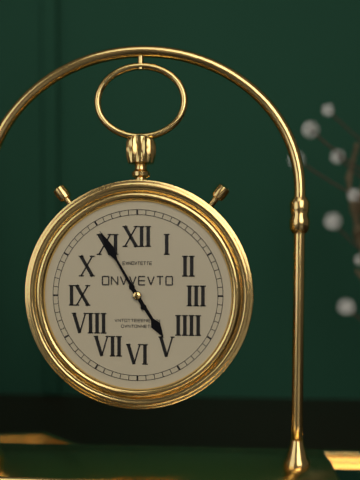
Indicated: 4,55
